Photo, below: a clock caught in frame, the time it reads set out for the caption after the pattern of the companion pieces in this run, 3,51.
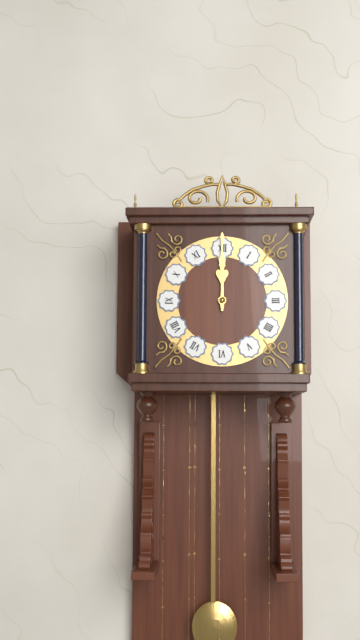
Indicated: 12,00
